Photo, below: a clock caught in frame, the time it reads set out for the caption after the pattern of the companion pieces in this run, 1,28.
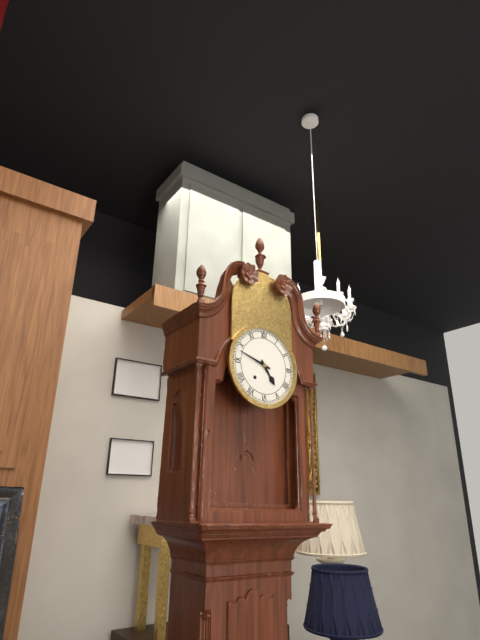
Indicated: 4,48
